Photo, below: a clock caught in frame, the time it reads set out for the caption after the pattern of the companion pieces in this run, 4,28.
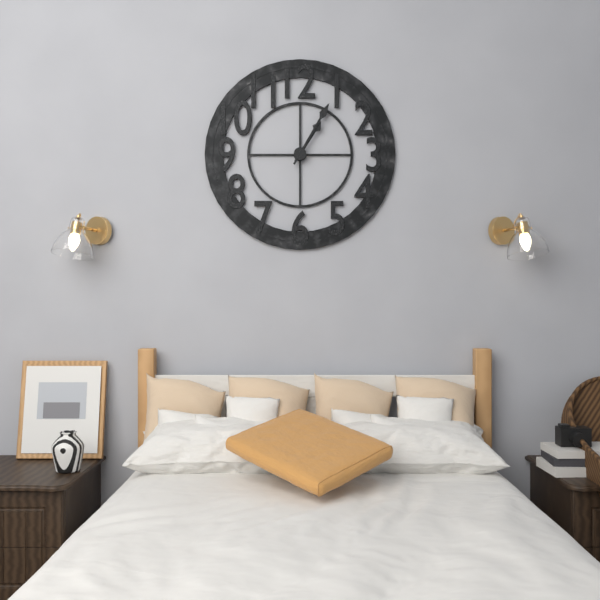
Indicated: 1,05
